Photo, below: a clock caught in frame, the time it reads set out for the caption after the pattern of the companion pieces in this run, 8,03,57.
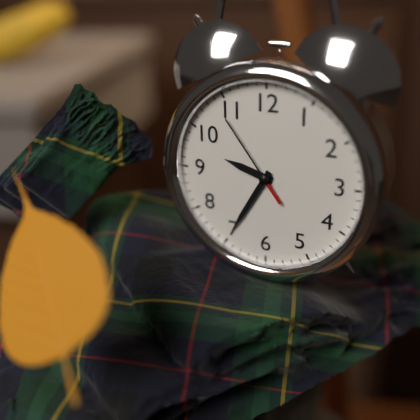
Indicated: 9,35,54
